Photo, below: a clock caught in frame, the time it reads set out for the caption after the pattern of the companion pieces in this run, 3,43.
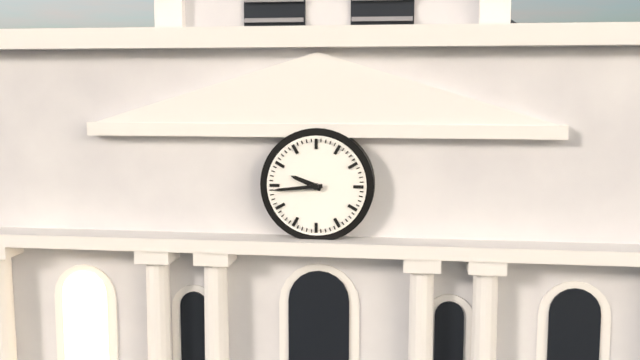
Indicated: 9,44
